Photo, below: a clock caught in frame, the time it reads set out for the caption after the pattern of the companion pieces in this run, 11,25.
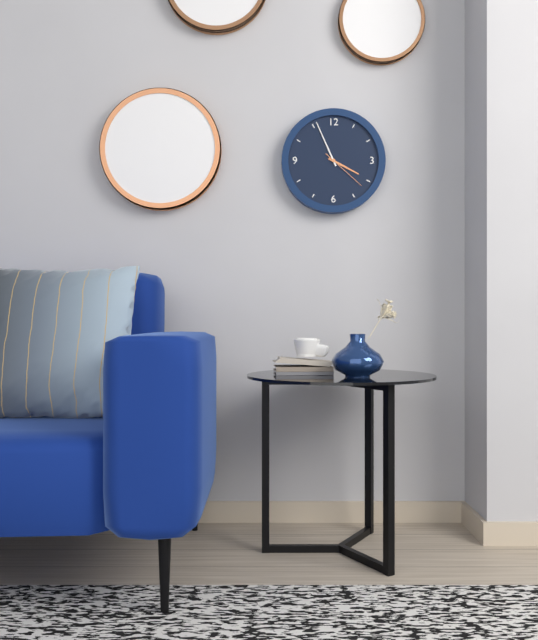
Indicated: 3,56
